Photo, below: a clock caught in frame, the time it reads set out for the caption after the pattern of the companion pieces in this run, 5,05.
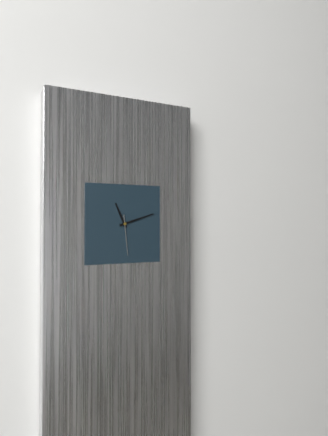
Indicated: 11,12
